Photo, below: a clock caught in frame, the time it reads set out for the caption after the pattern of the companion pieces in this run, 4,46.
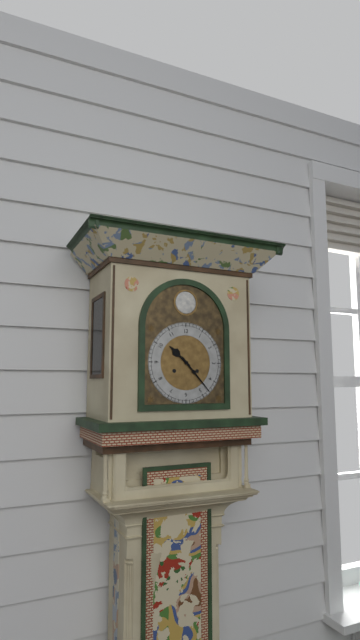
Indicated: 10,23
